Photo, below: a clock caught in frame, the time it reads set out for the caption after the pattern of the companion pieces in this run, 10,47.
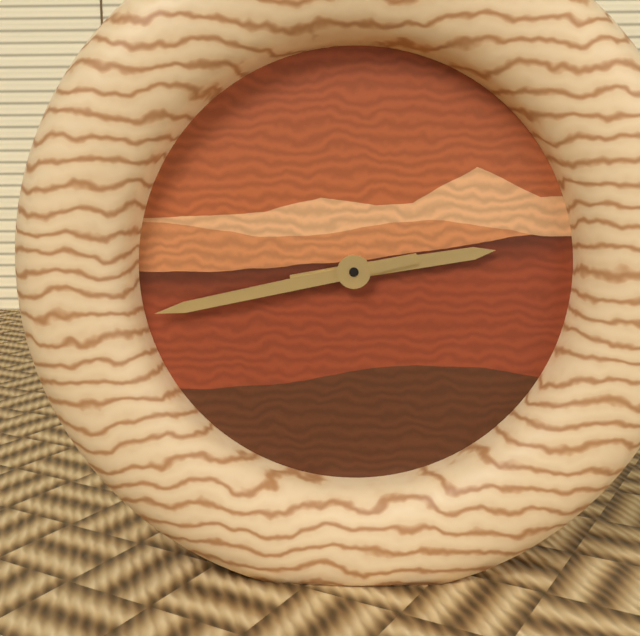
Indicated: 2,43
